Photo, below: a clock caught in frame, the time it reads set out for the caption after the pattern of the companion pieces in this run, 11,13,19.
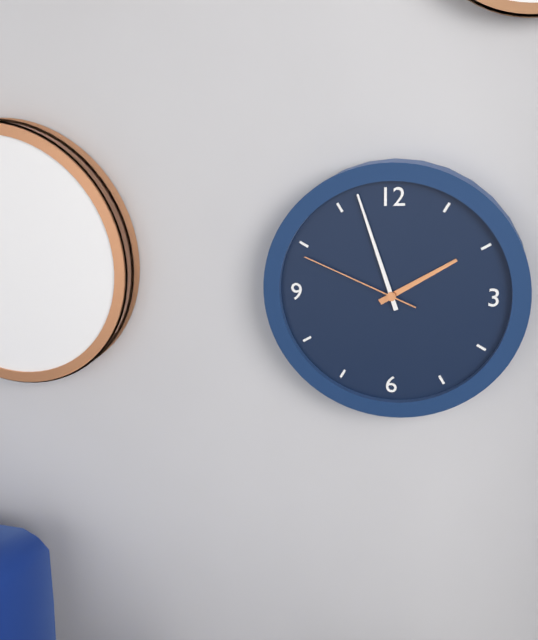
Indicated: 1,57,49
